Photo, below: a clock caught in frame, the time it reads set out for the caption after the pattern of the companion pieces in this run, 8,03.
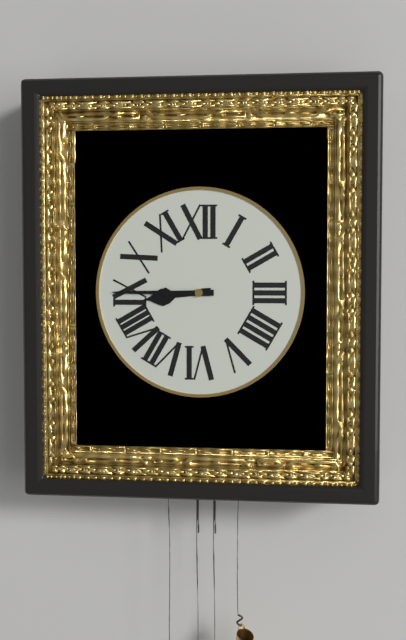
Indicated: 8,45
